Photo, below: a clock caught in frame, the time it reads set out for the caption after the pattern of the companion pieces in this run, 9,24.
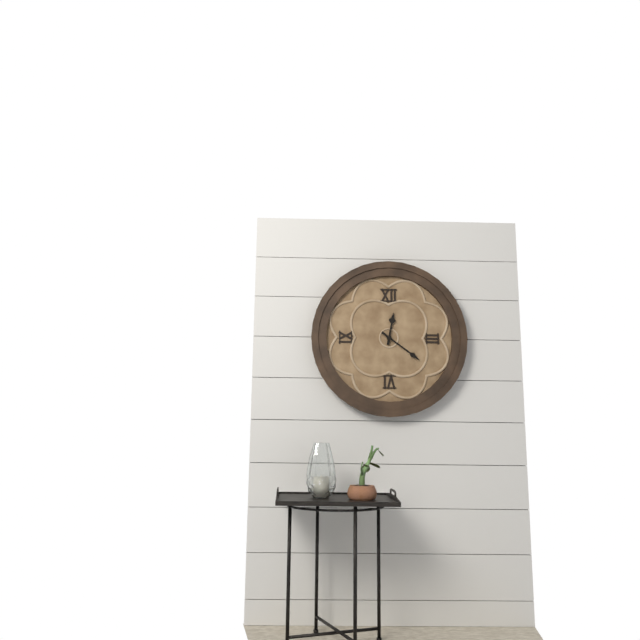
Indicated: 12,21
